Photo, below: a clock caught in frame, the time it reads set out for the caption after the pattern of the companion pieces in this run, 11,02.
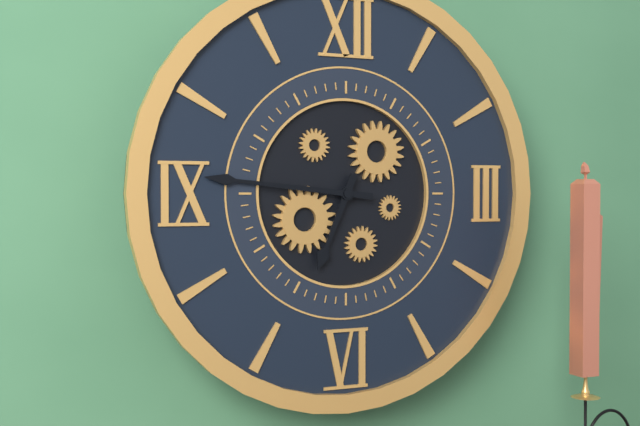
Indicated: 6,46
